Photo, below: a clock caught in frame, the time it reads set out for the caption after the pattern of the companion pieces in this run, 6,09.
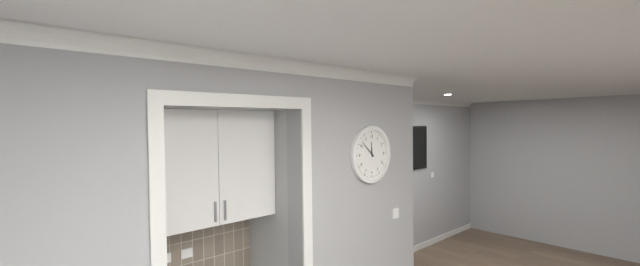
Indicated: 11,52
